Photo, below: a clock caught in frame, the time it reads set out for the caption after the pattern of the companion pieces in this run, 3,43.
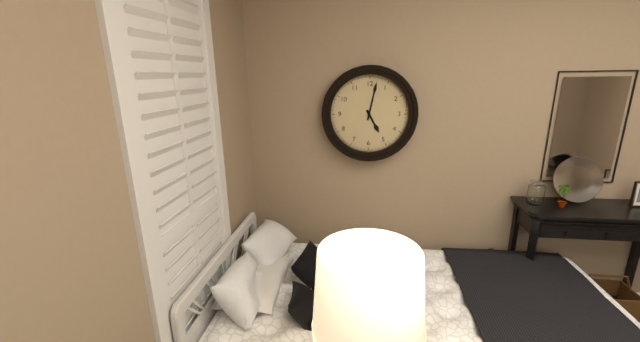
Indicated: 5,02
